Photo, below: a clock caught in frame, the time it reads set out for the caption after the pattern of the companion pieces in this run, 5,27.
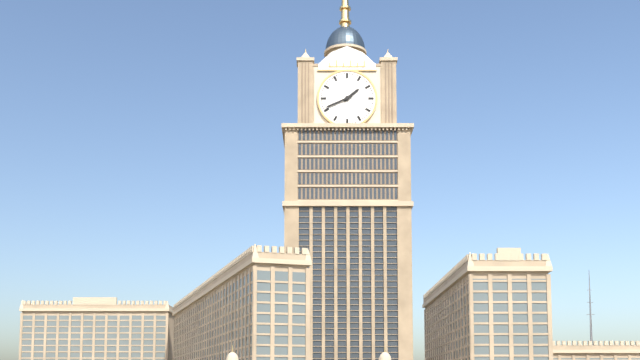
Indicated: 1,41
